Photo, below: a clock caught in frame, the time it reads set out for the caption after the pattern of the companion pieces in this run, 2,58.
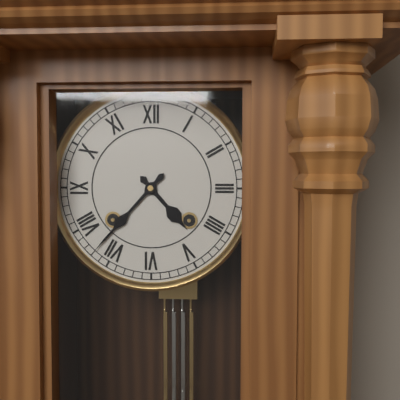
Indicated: 4,37
